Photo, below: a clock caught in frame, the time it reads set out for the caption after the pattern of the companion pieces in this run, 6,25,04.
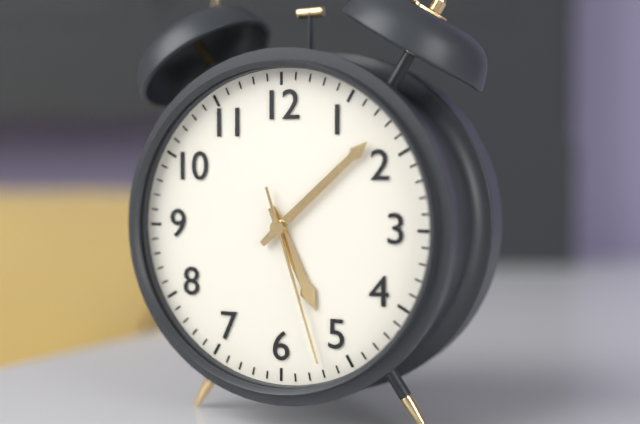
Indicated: 5,08,27
